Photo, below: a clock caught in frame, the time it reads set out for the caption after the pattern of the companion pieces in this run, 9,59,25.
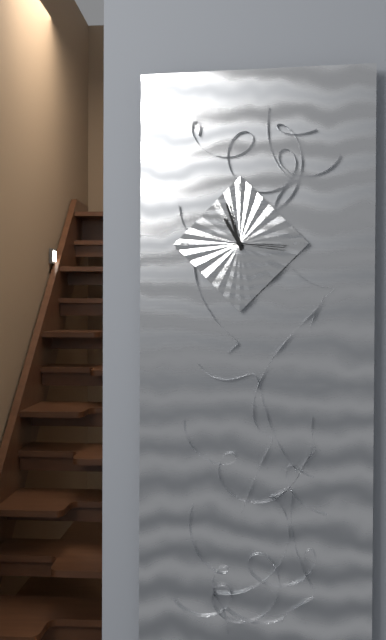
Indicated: 10,57,16
